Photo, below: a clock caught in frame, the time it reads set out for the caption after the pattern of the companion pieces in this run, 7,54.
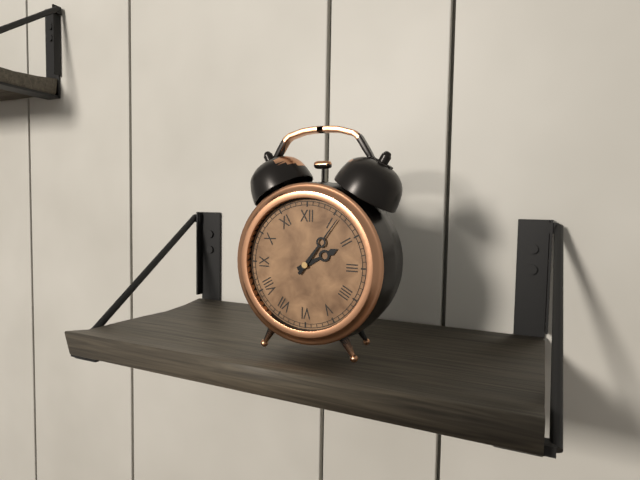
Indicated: 2,06
